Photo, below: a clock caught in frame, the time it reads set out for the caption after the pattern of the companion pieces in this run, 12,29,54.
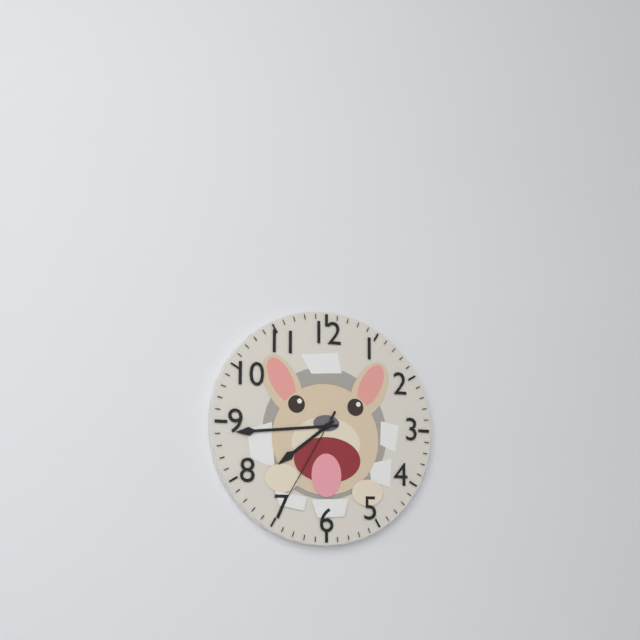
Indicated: 7,44,35
